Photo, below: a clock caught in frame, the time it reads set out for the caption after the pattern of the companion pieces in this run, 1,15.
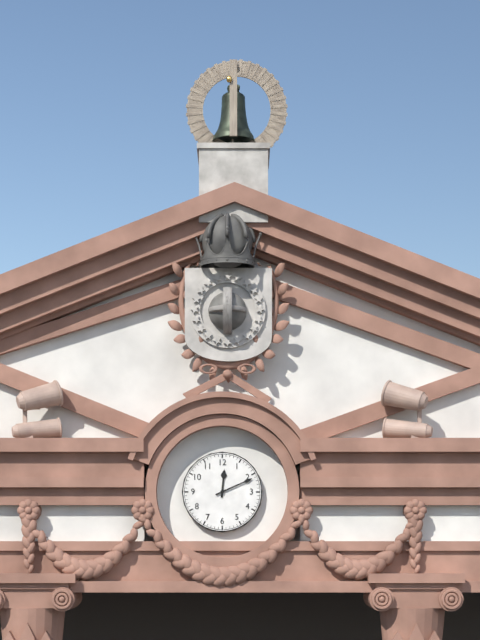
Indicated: 12,11
